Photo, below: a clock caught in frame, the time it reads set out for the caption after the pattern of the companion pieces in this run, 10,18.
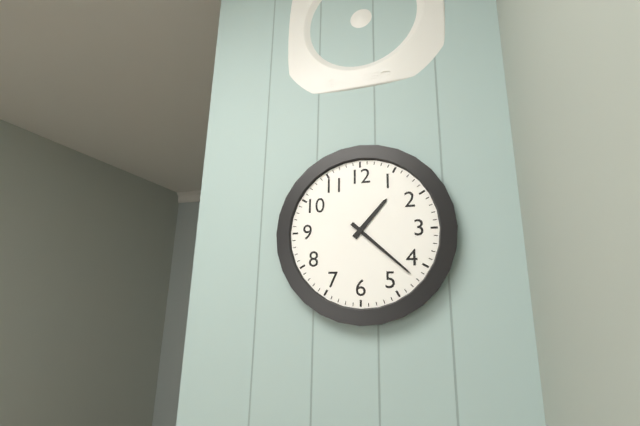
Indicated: 1,22
